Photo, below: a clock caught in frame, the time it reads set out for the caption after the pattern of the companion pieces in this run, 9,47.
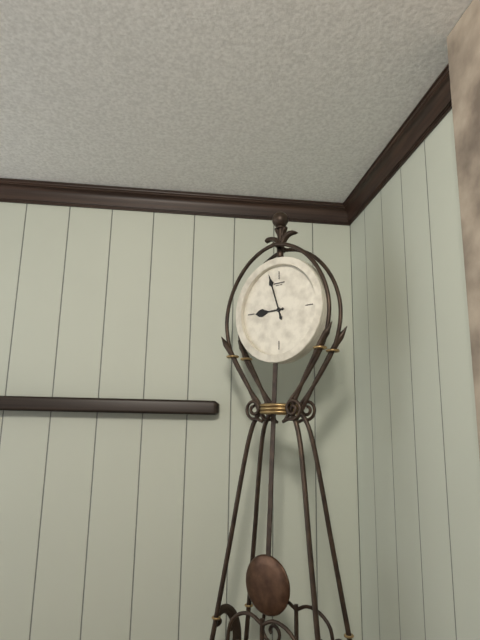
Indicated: 8,57
